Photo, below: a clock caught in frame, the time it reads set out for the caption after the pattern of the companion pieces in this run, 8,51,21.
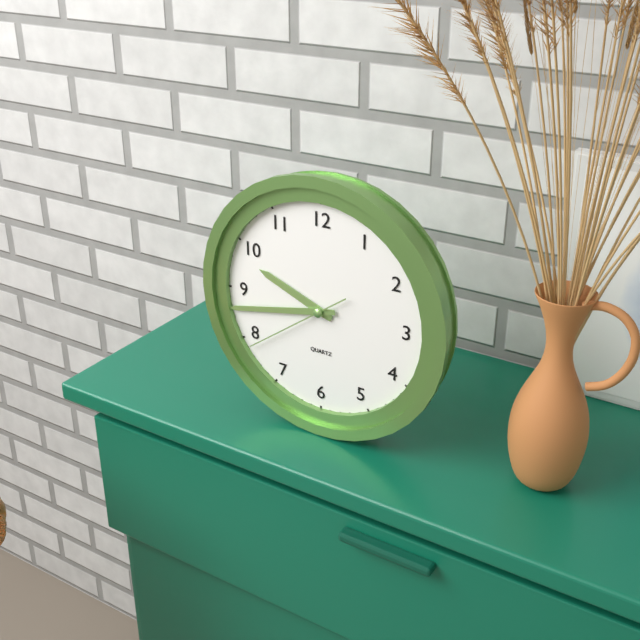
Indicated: 9,43,39
